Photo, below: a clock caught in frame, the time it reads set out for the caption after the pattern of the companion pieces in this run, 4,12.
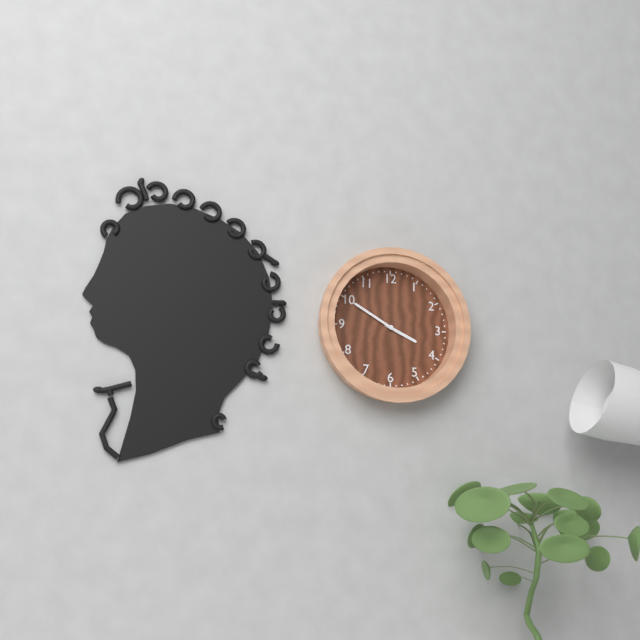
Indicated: 3,50
